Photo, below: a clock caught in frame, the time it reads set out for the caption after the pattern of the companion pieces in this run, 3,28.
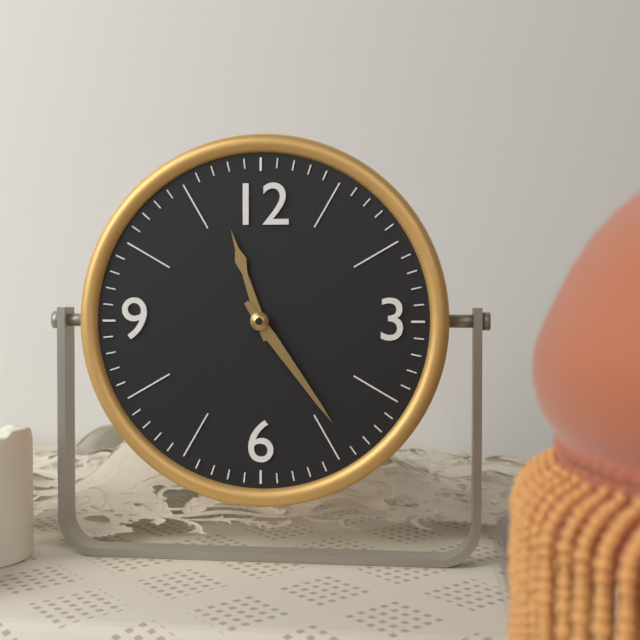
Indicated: 11,24
